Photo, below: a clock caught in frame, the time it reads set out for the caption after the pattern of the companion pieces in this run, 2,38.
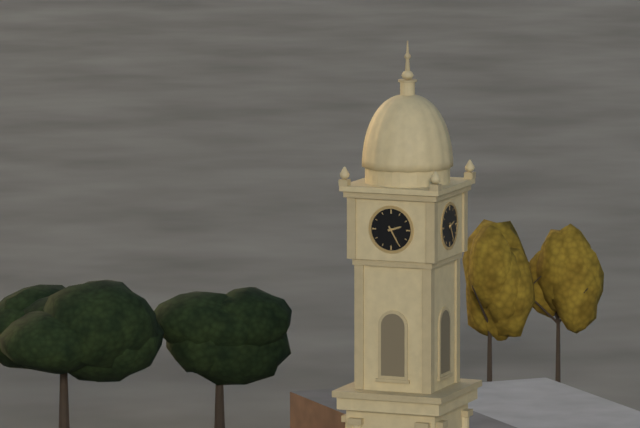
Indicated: 2,25
